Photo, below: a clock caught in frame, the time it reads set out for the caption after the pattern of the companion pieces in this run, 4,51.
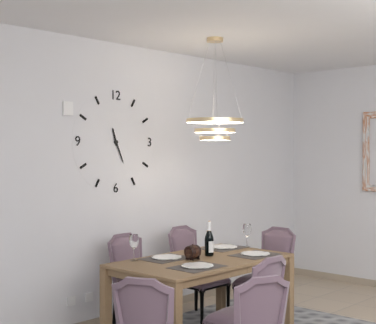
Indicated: 11,26
